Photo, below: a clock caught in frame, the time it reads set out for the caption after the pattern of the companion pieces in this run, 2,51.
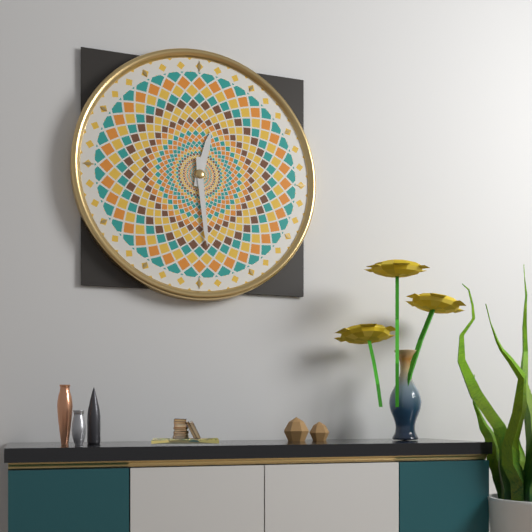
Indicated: 12,29
